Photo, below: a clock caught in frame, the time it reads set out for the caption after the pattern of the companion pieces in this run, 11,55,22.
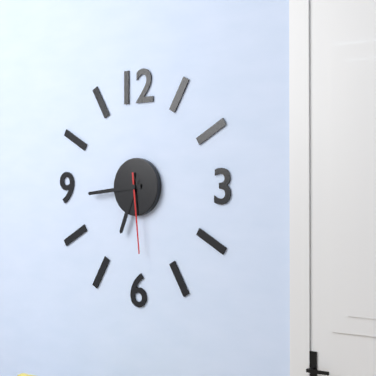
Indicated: 6,44,29
